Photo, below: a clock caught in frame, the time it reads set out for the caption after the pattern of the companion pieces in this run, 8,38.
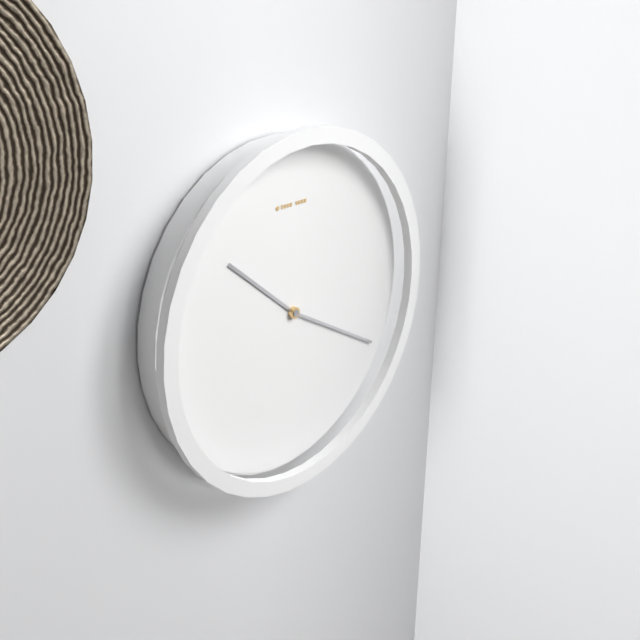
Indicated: 10,20
